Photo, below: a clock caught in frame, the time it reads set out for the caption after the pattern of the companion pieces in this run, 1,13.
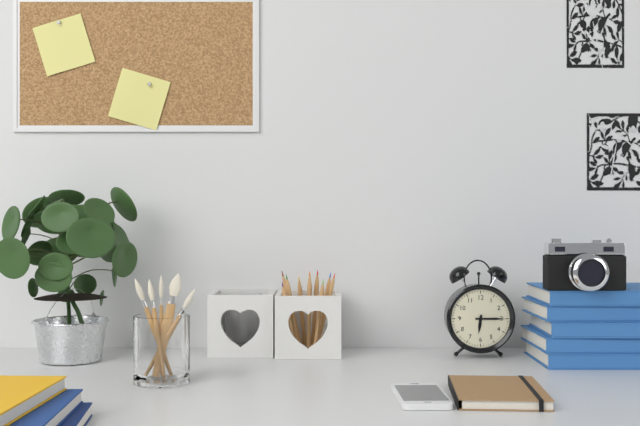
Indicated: 6,15
